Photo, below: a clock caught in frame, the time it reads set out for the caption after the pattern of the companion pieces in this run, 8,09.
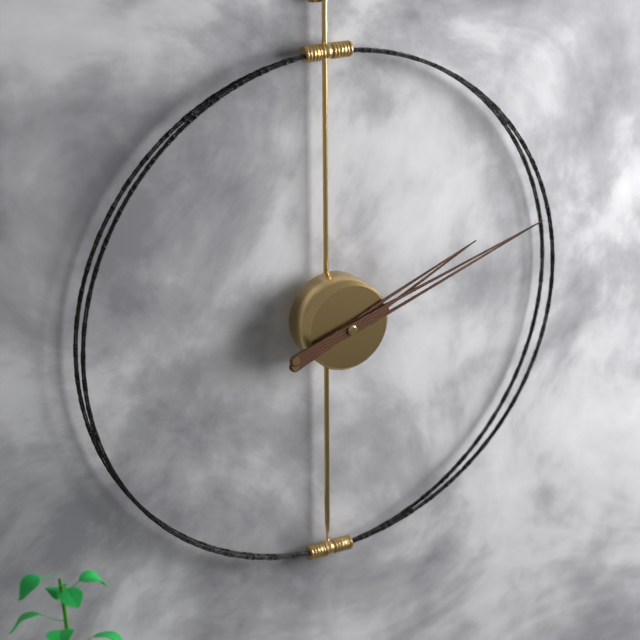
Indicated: 2,12
